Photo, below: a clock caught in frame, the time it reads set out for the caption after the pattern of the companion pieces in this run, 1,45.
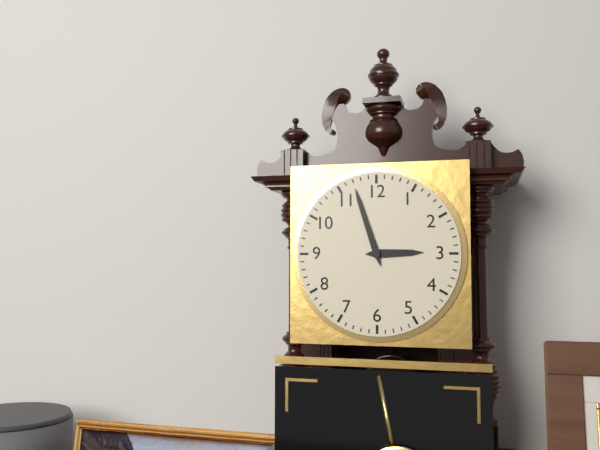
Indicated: 2,57
